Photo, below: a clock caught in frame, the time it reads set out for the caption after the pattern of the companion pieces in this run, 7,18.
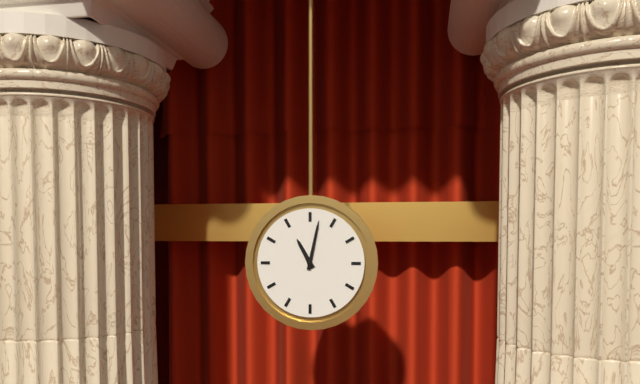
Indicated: 11,02
